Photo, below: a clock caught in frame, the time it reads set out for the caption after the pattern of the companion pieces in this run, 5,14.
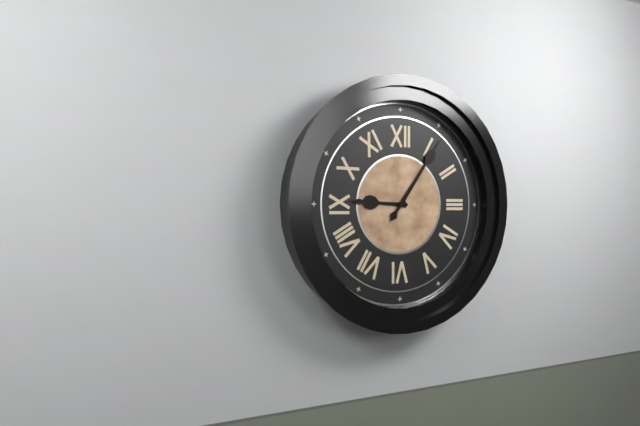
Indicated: 9,06
